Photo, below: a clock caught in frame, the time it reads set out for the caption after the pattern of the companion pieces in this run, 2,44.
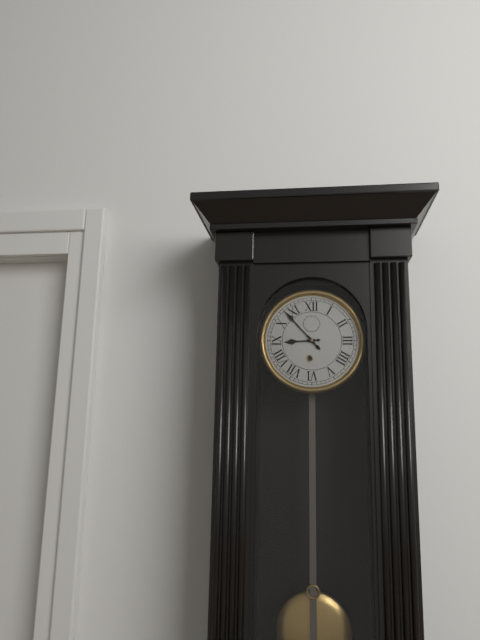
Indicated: 8,53
